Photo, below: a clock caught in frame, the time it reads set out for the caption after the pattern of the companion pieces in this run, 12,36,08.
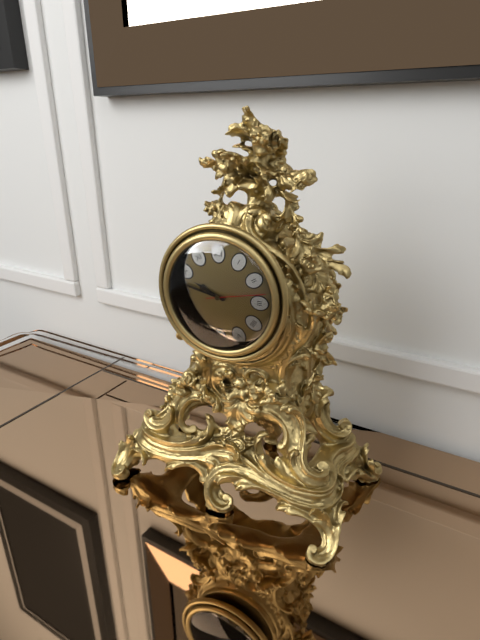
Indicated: 9,47,13
